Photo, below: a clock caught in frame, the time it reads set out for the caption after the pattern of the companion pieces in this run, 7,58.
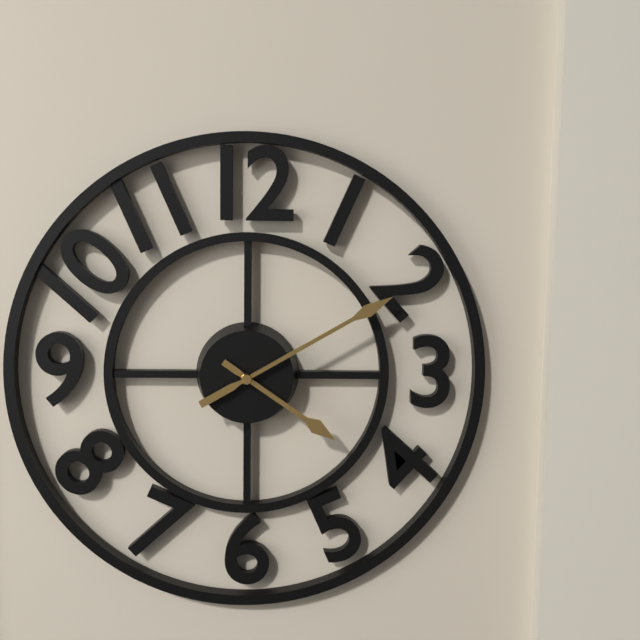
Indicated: 4,10
